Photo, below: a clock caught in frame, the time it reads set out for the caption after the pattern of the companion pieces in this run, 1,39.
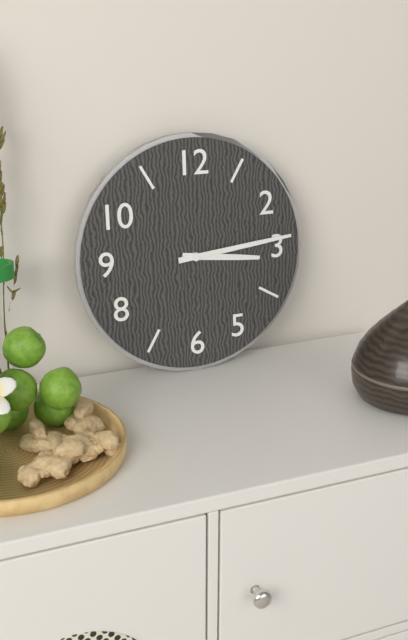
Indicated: 3,14
